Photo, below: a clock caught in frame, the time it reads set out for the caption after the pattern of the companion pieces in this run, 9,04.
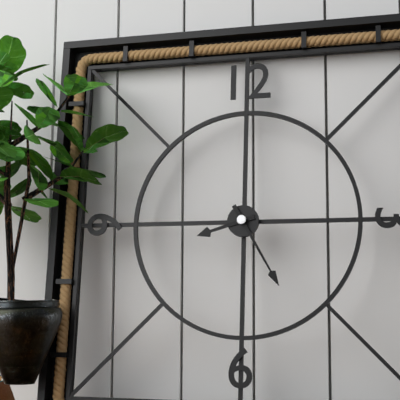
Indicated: 8,25
